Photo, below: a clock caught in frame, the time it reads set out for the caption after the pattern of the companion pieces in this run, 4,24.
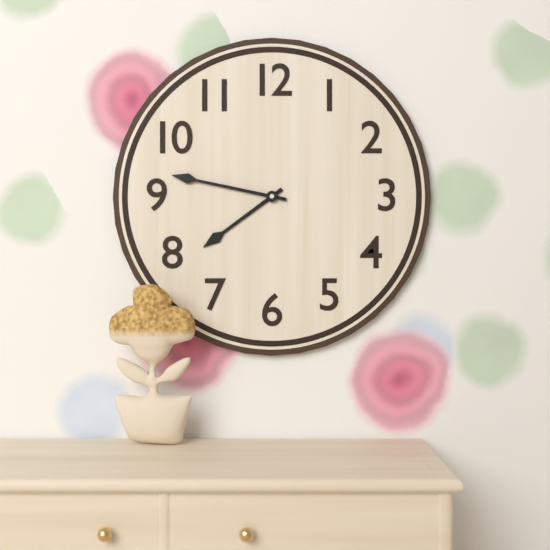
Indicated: 7,47
